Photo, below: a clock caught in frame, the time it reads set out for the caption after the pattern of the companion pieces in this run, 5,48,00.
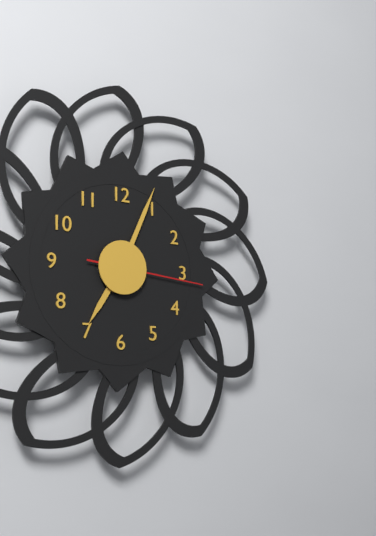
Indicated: 7,04,16
